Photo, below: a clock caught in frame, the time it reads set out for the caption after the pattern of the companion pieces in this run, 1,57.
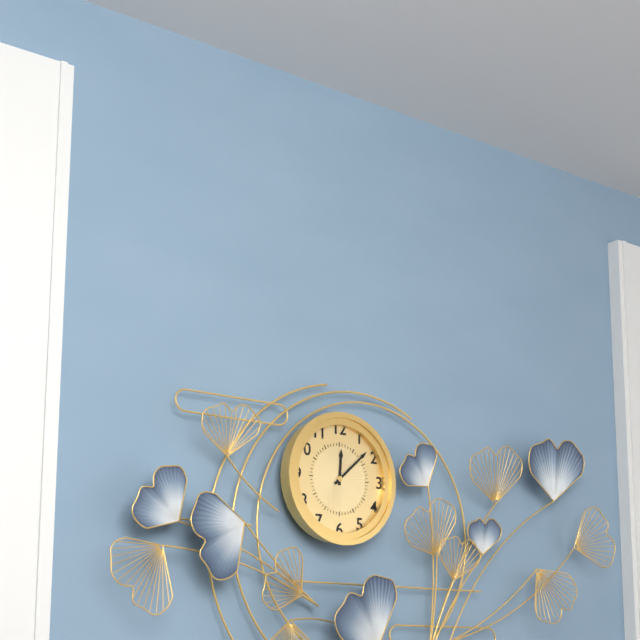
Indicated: 12,08
